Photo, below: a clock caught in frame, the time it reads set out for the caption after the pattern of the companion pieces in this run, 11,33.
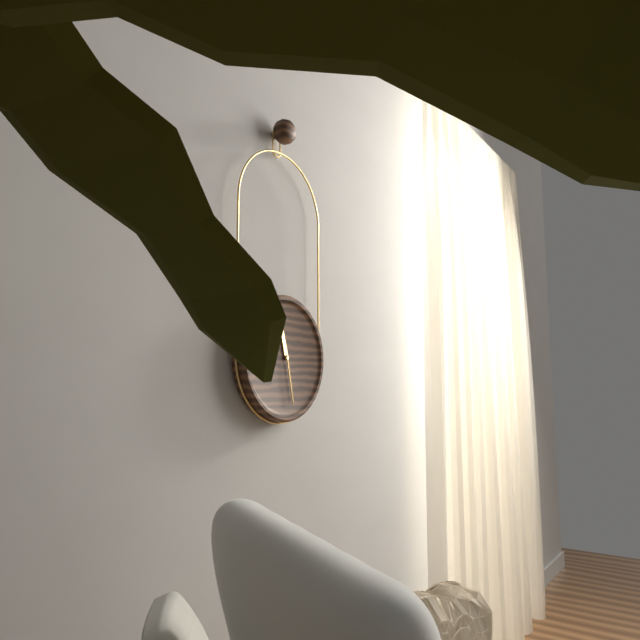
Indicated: 11,28
